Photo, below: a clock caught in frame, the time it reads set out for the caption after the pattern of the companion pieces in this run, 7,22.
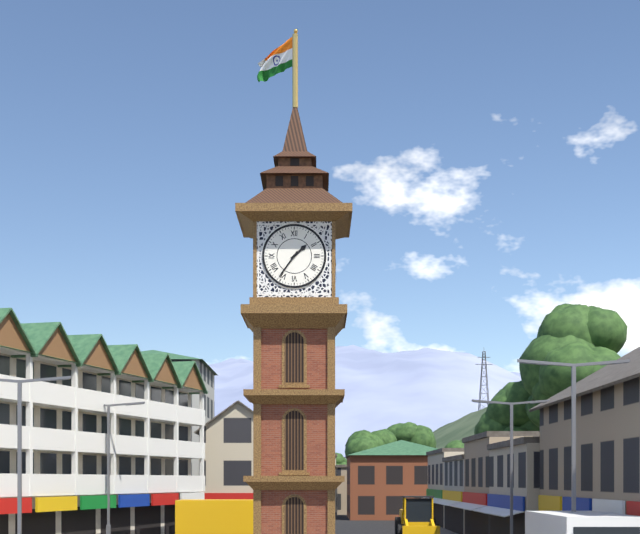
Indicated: 1,36
